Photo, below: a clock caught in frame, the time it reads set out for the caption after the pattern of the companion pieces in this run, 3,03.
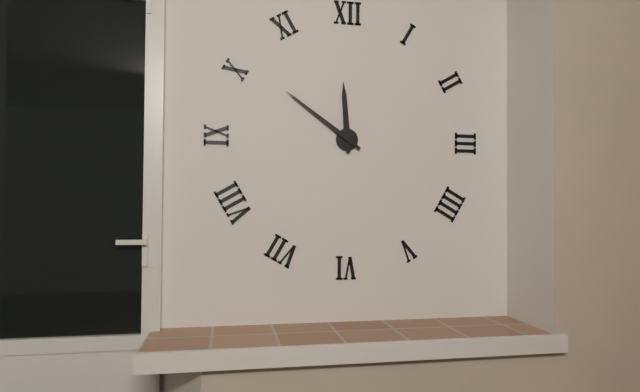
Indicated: 11,51
